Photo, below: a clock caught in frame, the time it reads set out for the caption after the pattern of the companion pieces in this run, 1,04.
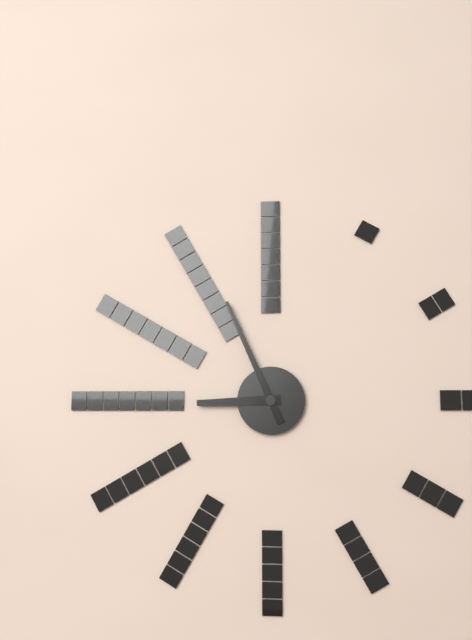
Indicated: 8,56
